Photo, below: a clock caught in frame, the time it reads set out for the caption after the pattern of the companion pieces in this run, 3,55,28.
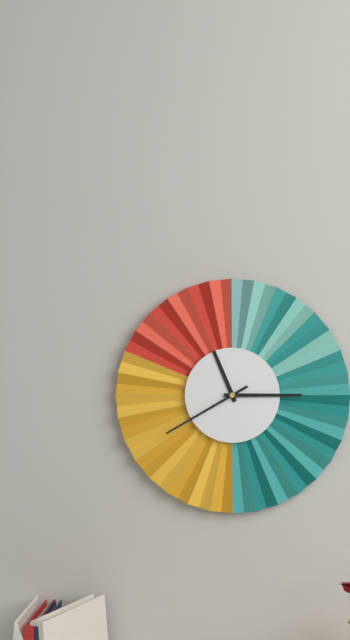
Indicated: 11,15,40
